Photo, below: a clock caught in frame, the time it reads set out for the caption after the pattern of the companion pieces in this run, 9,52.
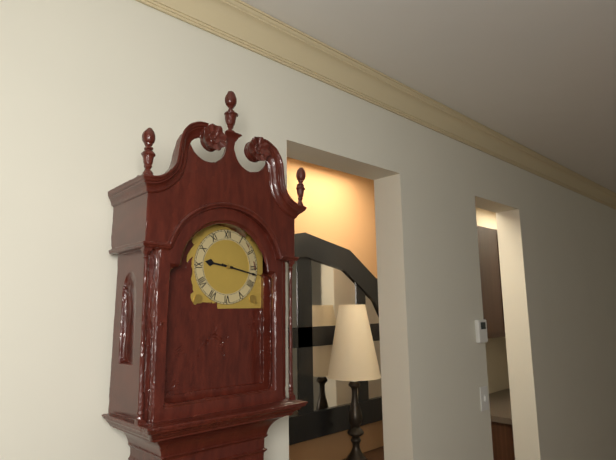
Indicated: 9,17
